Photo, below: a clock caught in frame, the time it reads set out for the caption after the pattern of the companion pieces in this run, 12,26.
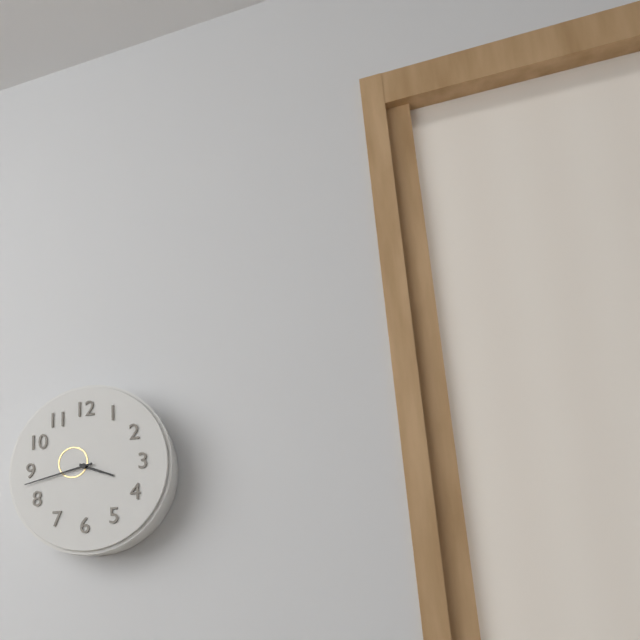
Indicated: 3,43
